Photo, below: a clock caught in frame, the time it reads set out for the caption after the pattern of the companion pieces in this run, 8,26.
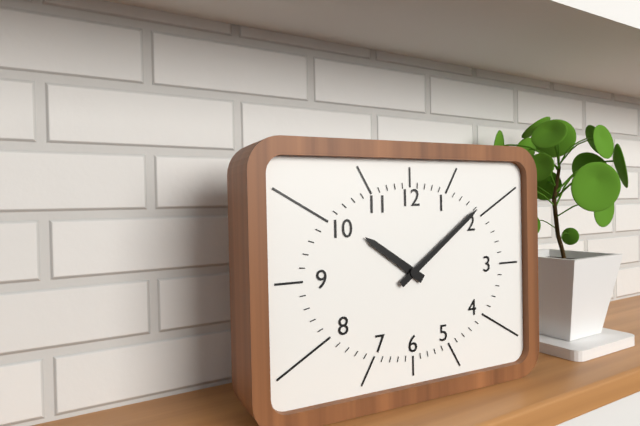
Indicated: 10,09
